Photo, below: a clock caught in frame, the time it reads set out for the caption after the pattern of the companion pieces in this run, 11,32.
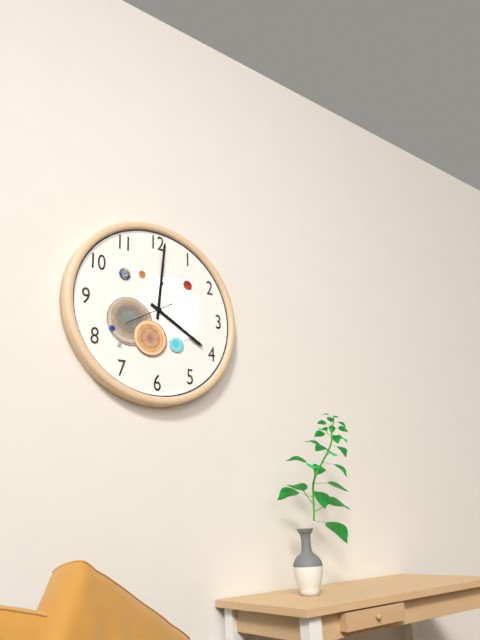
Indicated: 4,01
